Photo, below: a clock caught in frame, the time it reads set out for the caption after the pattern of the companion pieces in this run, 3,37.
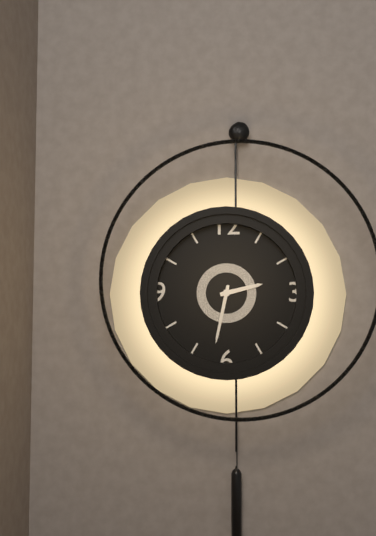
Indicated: 2,32
